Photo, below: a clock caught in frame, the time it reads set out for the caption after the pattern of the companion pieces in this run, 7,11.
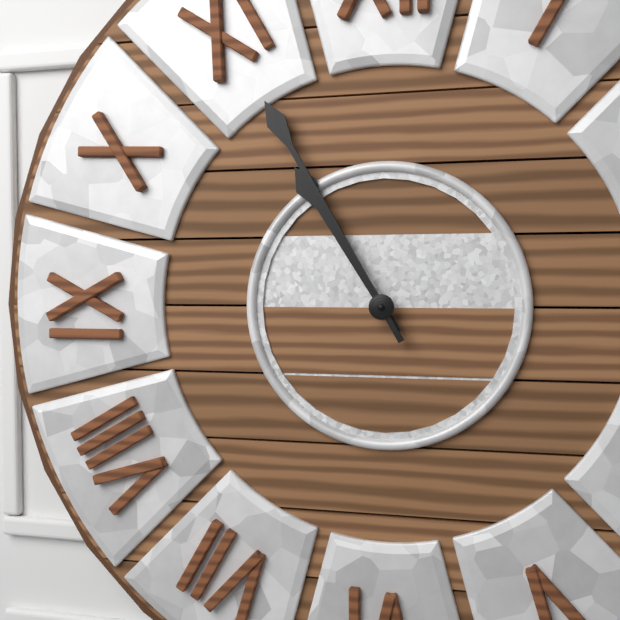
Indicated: 10,55
